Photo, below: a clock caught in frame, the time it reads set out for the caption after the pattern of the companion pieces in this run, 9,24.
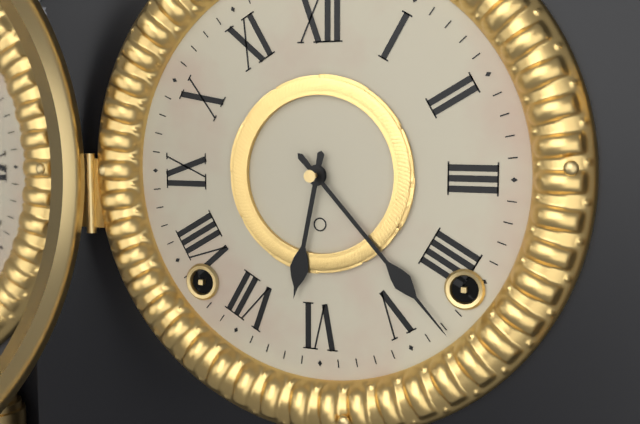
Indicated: 6,23
